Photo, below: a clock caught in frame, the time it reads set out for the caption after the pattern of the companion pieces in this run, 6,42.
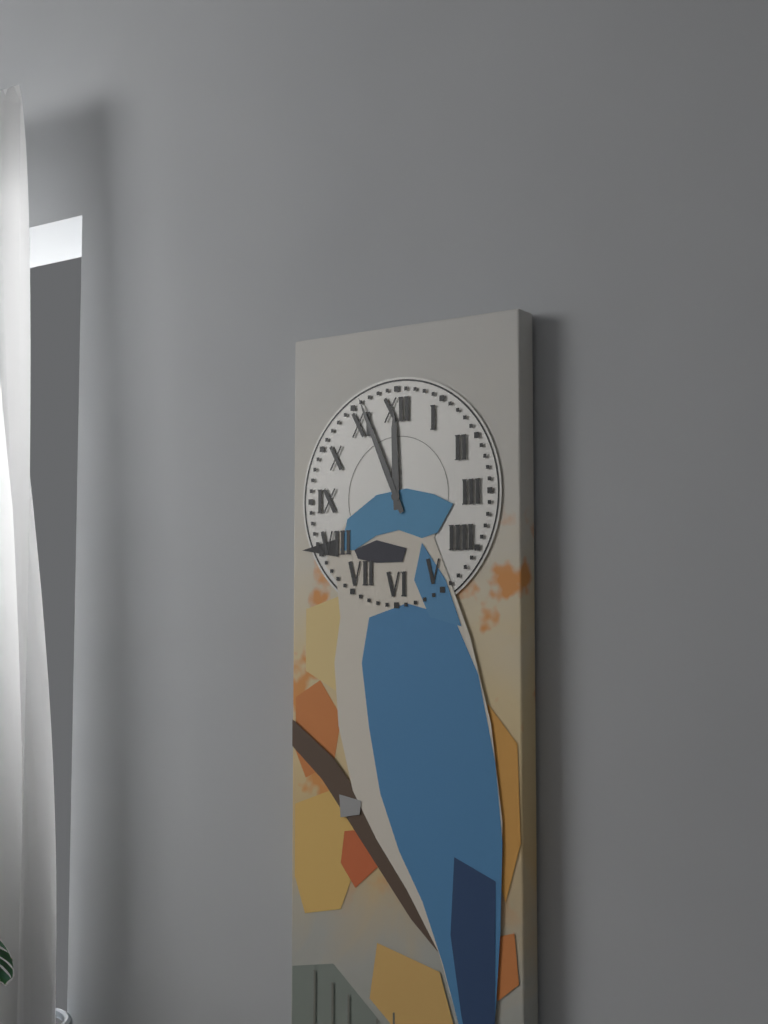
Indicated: 11,56
